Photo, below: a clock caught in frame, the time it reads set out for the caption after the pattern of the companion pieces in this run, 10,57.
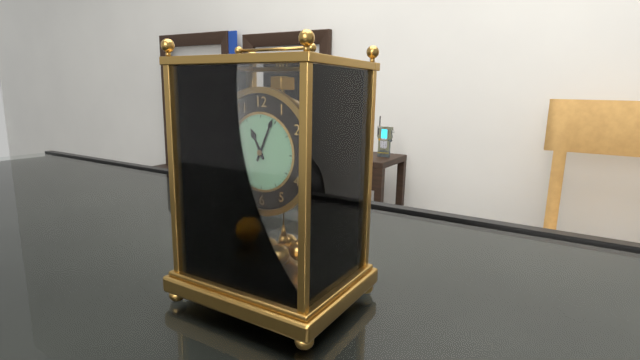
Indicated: 11,04
